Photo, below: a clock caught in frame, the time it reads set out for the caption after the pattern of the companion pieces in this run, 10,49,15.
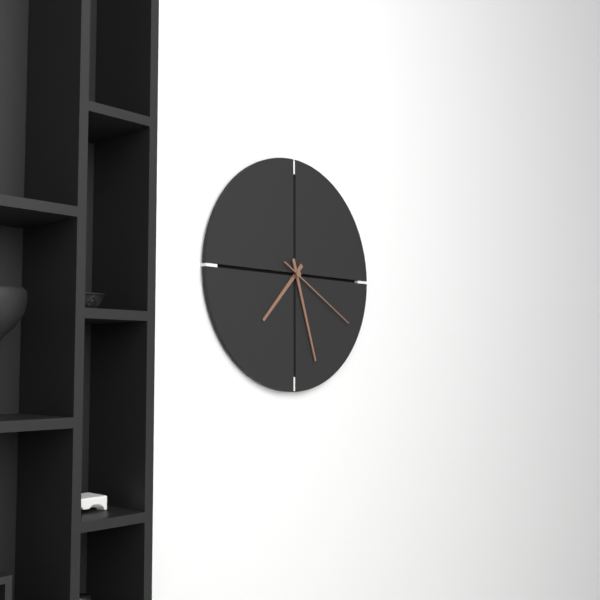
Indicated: 7,27,20
